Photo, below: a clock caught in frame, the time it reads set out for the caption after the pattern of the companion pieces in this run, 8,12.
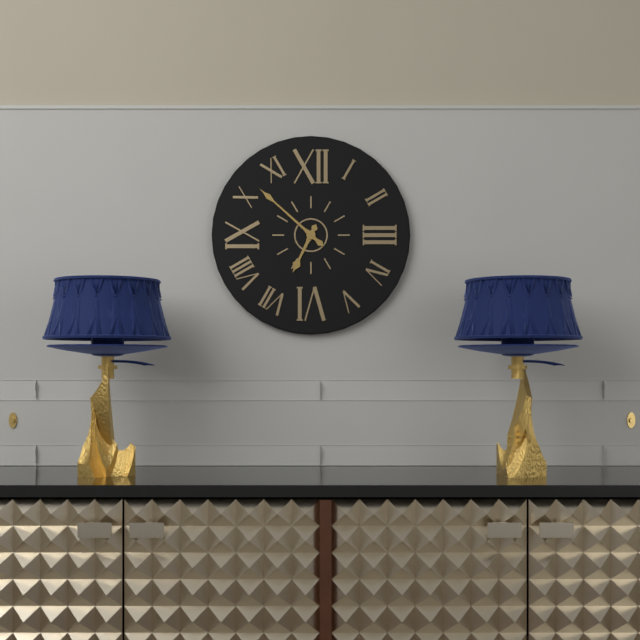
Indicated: 6,52
